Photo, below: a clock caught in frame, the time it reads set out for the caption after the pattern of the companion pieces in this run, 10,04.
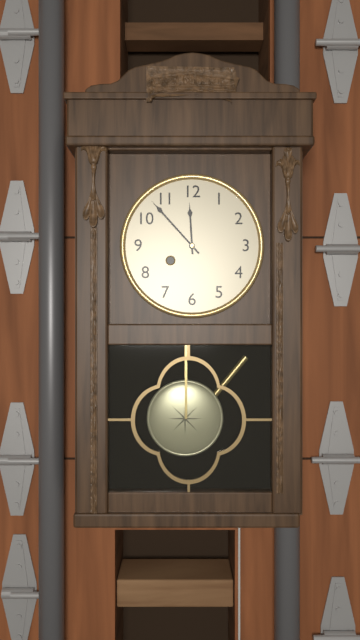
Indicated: 11,53
